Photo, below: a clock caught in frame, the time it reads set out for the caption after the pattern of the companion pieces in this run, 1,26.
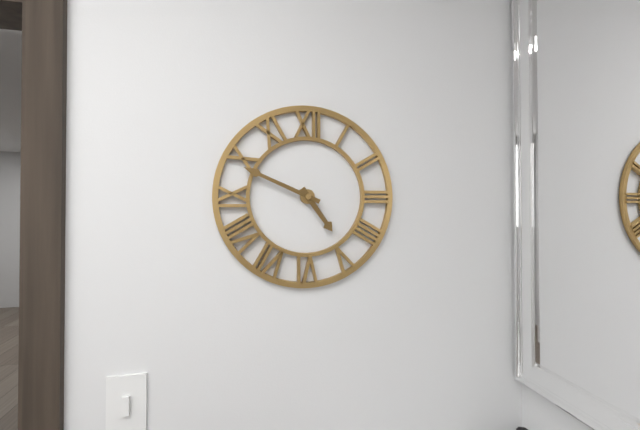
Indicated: 4,49
